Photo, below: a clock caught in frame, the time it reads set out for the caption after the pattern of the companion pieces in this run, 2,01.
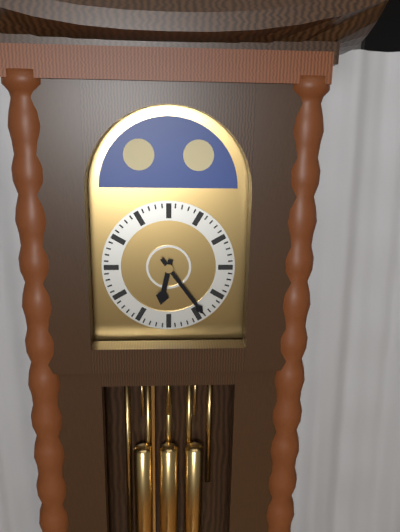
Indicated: 6,24
